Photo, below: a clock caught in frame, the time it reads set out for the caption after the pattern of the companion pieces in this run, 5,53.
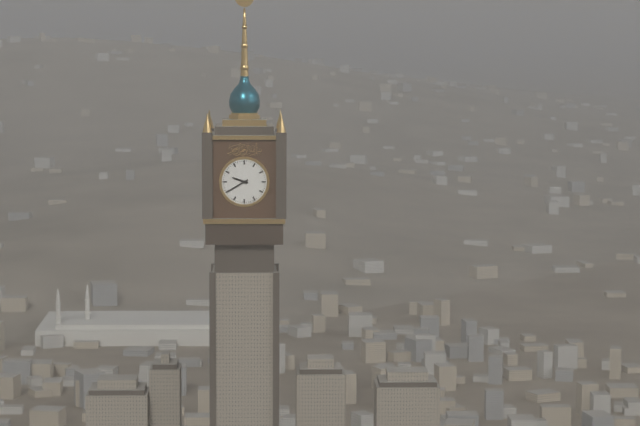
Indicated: 9,40
